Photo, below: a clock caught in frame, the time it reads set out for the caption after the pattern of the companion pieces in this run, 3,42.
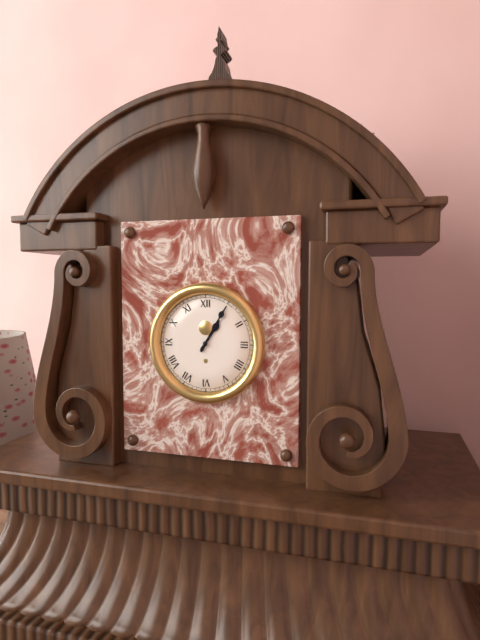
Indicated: 1,05
